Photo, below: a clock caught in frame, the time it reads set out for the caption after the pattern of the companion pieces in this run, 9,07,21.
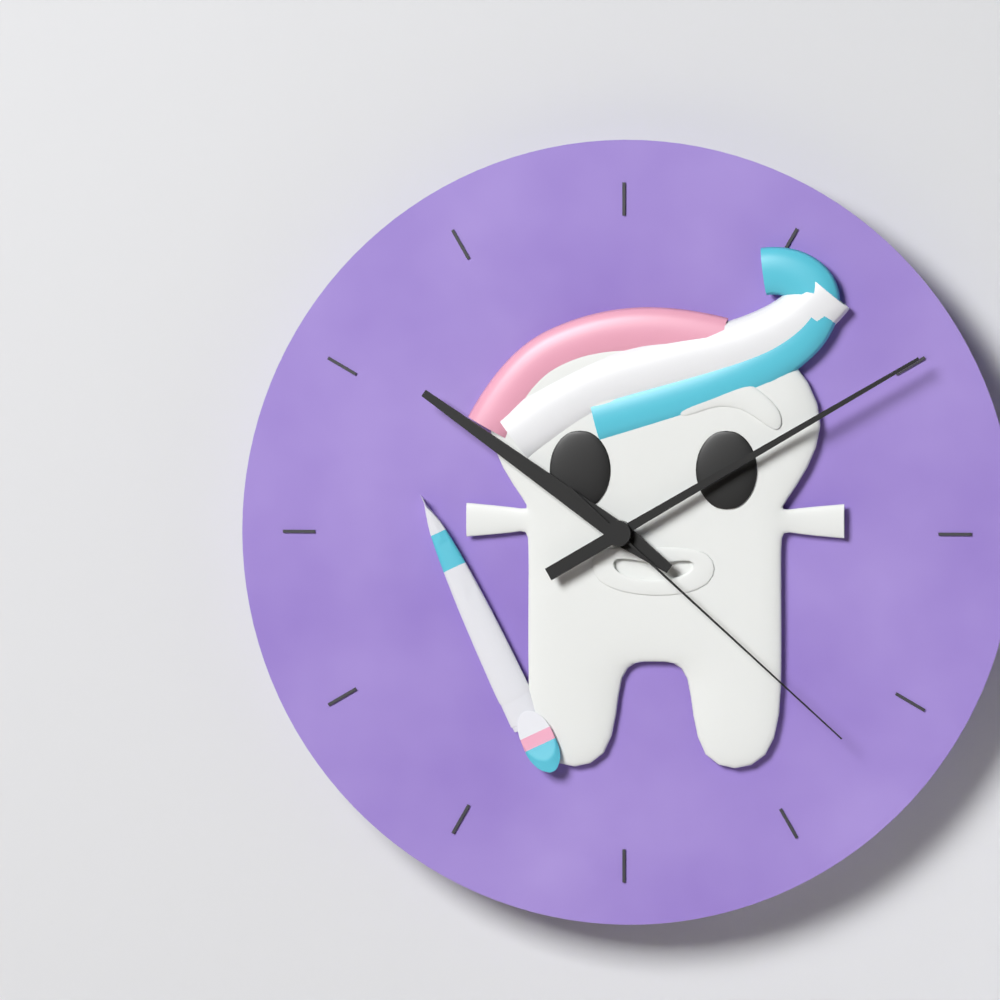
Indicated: 10,10,22
